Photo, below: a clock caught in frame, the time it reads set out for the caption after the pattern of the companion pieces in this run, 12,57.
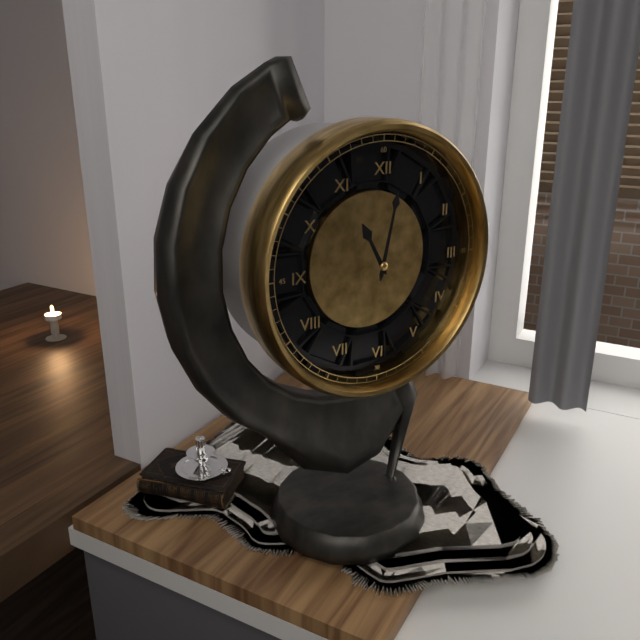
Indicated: 11,02
